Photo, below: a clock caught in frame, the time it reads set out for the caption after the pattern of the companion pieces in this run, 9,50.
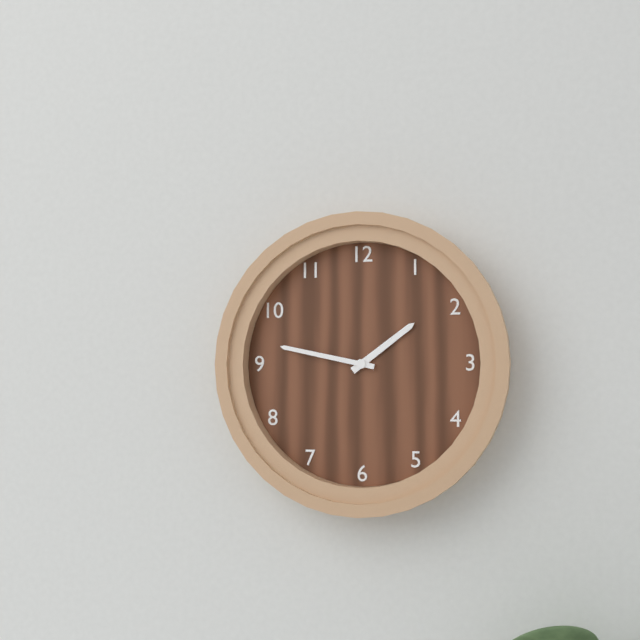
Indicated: 1,47
